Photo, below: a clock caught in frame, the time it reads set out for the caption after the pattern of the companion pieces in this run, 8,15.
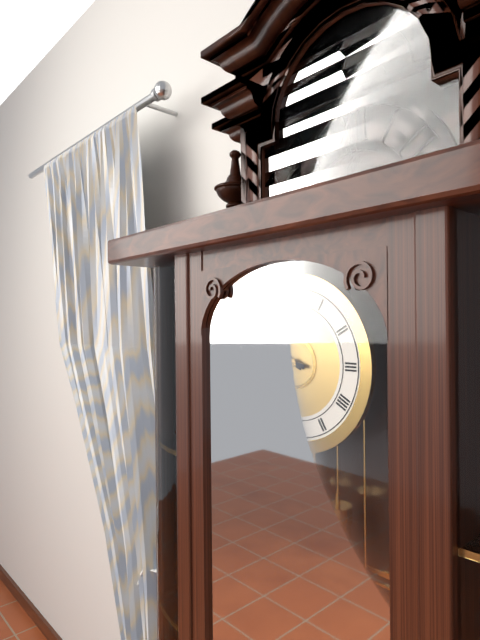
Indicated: 9,47
